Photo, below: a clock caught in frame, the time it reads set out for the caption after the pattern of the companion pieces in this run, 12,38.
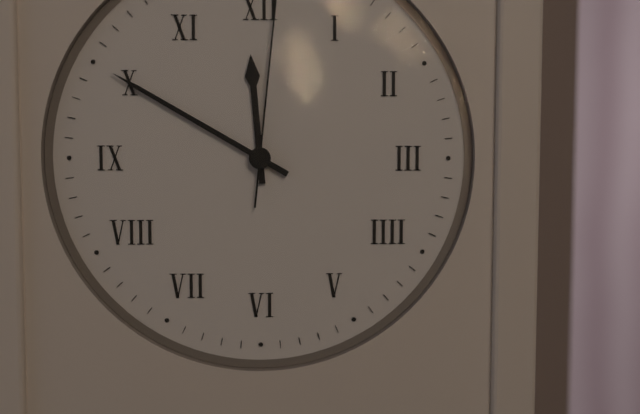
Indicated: 11,50
